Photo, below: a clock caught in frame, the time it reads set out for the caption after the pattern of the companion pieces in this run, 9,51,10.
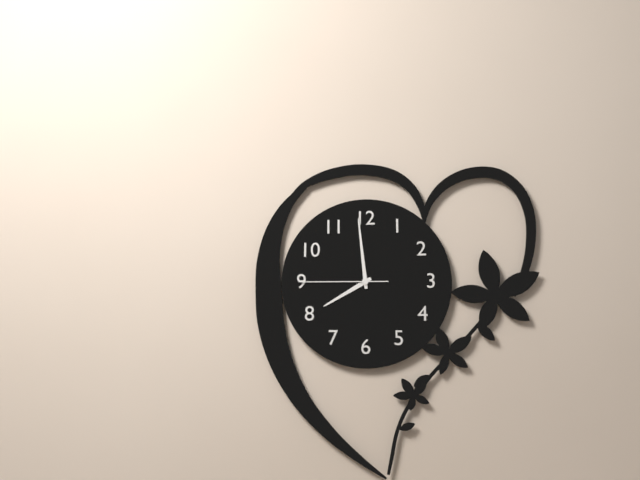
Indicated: 7,59,45
